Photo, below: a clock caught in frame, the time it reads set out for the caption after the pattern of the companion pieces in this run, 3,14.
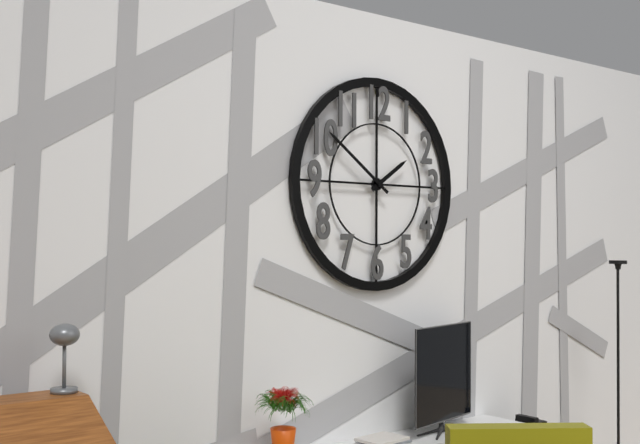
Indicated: 1,51
